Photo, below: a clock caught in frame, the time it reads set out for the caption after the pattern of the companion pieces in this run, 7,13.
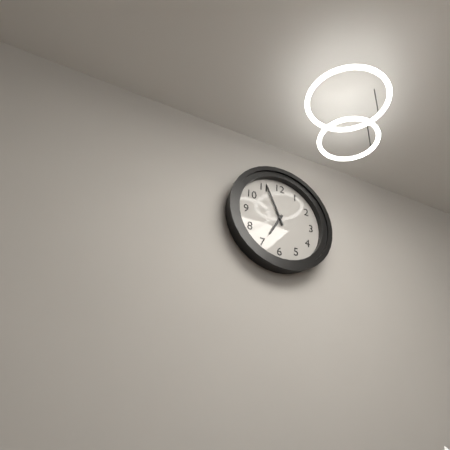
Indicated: 6,56
